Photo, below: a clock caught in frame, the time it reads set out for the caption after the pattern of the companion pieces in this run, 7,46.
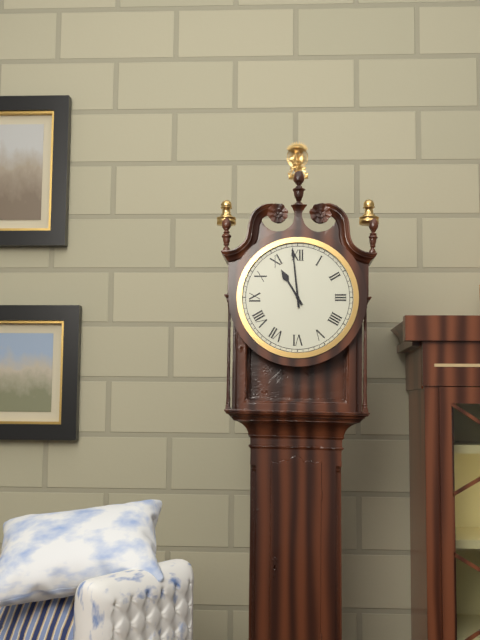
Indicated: 10,59
